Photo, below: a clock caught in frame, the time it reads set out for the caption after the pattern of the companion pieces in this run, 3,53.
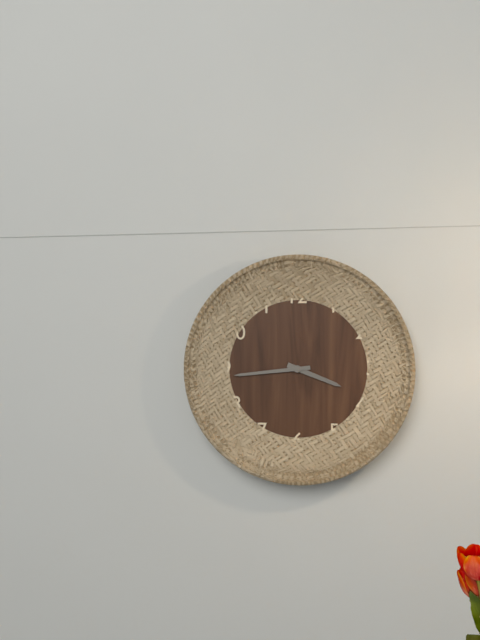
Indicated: 3,44
